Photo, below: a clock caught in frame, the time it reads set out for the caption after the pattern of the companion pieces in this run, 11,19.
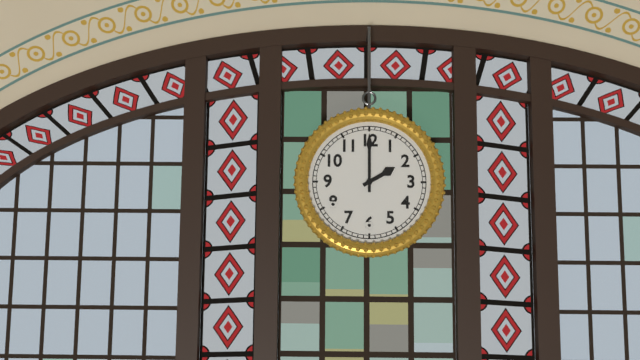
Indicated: 2,00
